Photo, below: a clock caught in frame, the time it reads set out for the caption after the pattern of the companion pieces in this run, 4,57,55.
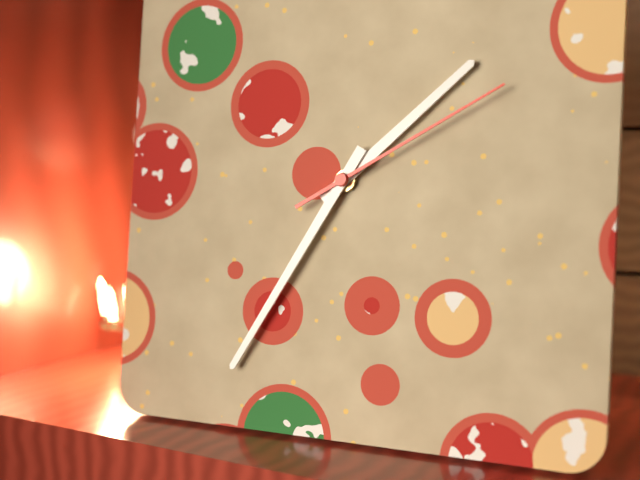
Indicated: 1,35,10
